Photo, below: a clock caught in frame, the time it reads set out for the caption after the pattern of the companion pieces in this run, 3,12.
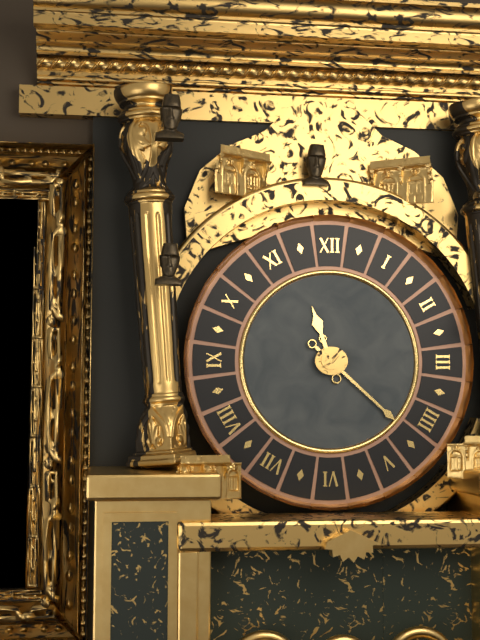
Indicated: 11,22
